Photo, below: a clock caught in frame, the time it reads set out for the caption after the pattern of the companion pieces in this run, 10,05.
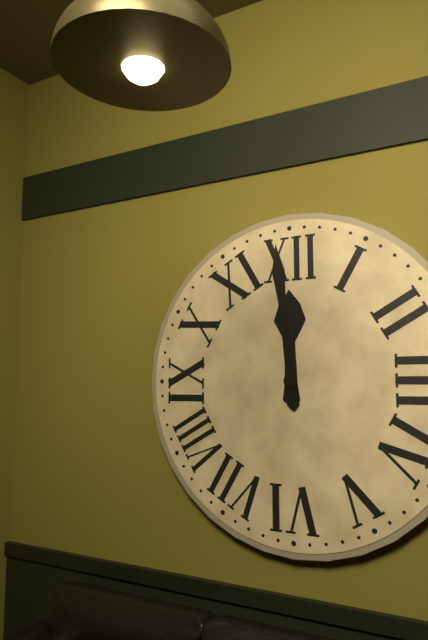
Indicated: 11,59
